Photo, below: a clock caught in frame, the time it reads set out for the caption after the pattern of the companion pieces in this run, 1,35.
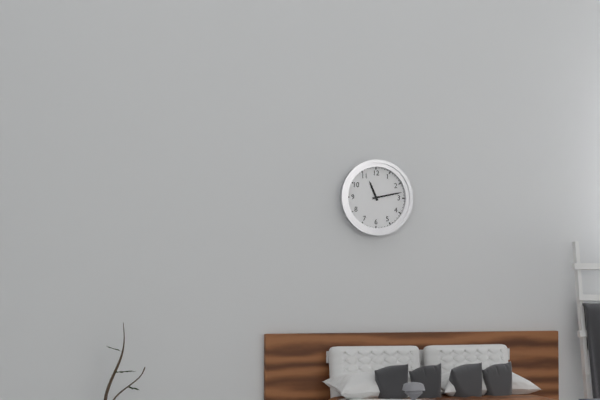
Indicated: 11,13
